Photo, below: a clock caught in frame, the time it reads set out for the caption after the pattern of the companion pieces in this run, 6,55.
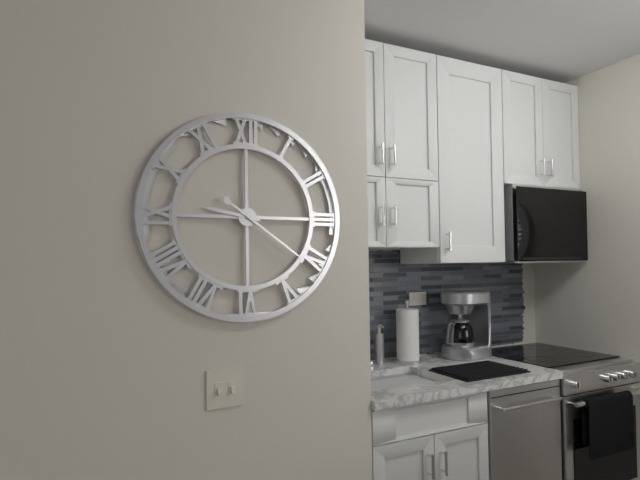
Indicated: 9,21
